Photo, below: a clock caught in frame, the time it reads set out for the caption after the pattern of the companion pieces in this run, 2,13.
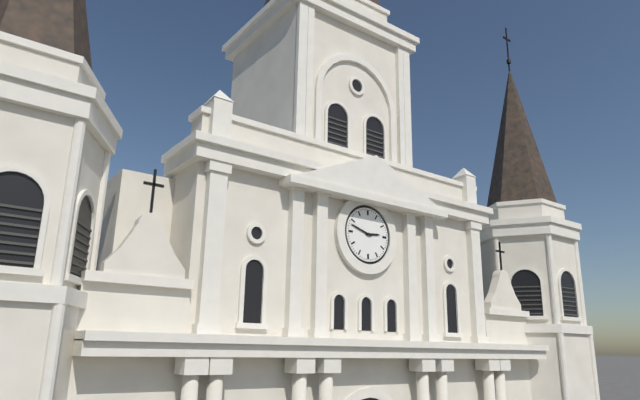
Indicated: 2,48
